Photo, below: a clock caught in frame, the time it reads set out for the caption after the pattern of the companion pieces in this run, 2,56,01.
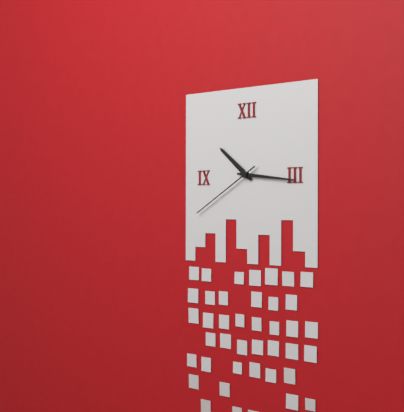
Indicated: 10,16,40
